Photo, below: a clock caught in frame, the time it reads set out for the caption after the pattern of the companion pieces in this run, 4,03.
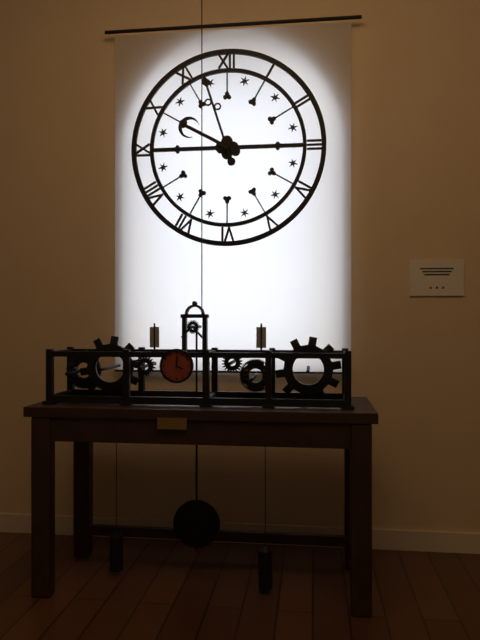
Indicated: 9,57
